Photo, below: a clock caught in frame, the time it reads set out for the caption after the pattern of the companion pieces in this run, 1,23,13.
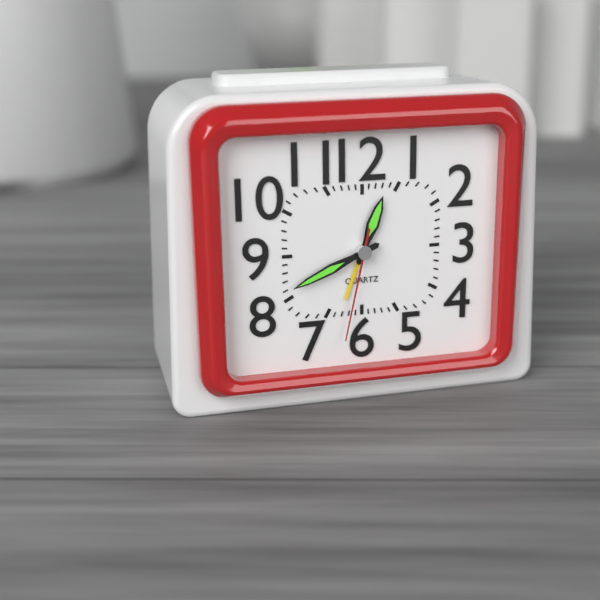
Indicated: 12,41,32
